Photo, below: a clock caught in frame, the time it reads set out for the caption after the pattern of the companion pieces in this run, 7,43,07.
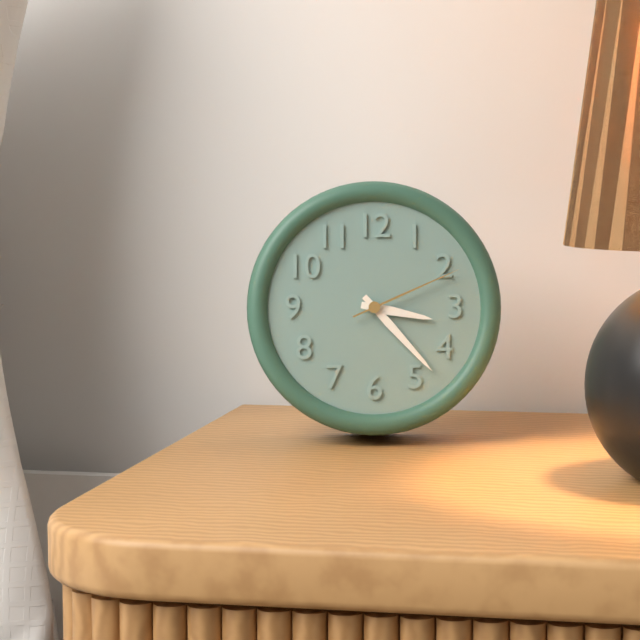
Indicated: 3,23,11
